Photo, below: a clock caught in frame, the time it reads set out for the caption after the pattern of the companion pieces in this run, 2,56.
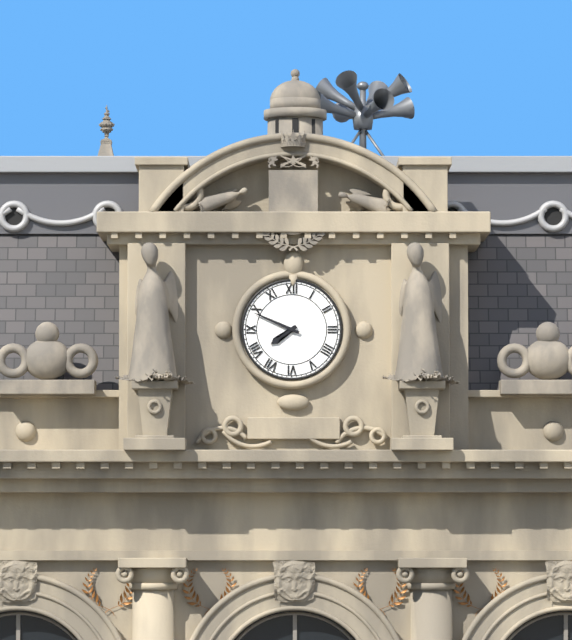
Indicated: 7,49
